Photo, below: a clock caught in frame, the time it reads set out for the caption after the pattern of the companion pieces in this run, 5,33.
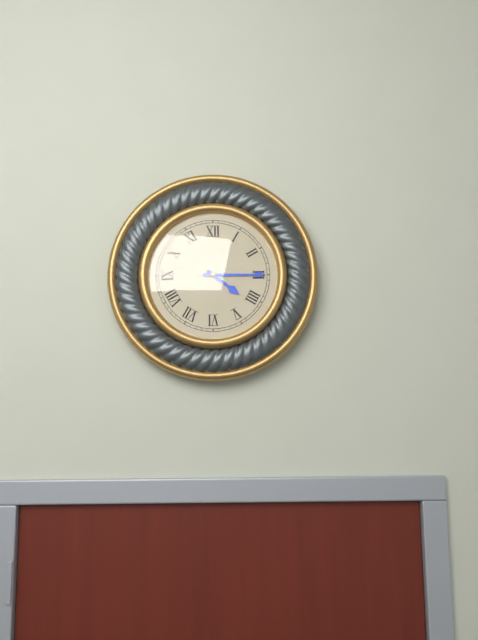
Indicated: 4,15
